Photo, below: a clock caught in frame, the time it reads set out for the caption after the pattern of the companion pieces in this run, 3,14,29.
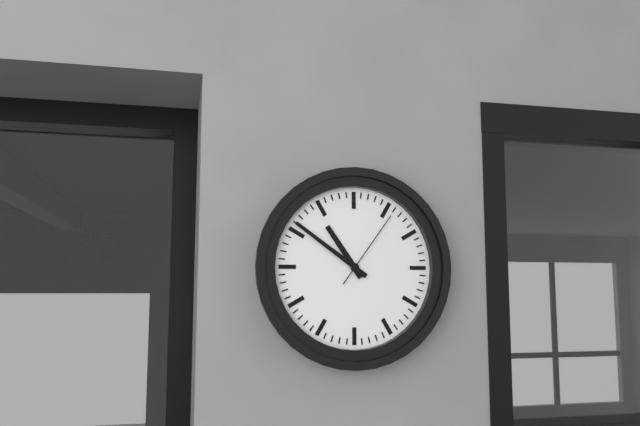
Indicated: 10,51,06
